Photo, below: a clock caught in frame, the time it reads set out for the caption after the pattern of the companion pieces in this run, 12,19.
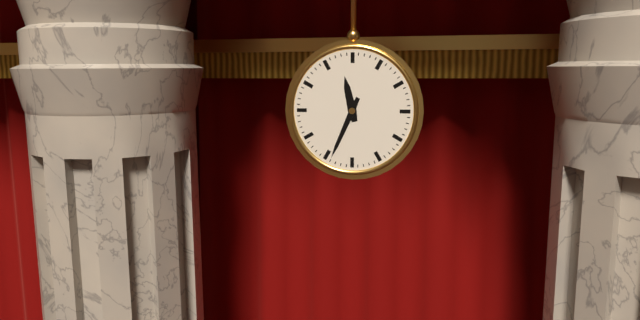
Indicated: 11,34
